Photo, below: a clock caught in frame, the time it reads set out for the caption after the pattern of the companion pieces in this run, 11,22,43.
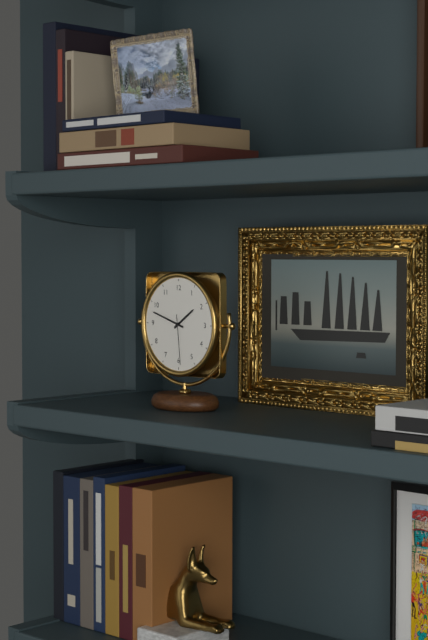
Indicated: 1,48,29
